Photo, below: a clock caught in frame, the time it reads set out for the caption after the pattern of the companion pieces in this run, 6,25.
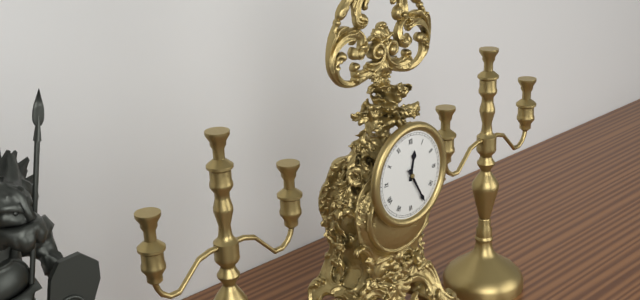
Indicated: 12,25
